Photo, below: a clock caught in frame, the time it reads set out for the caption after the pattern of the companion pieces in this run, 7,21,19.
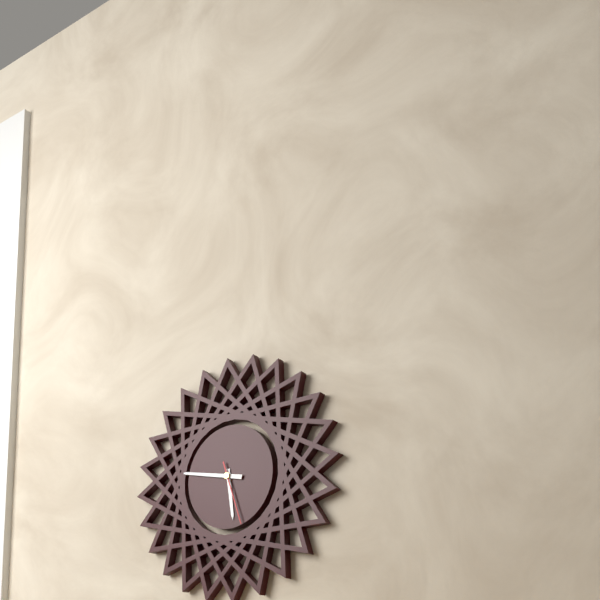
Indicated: 5,47,27
